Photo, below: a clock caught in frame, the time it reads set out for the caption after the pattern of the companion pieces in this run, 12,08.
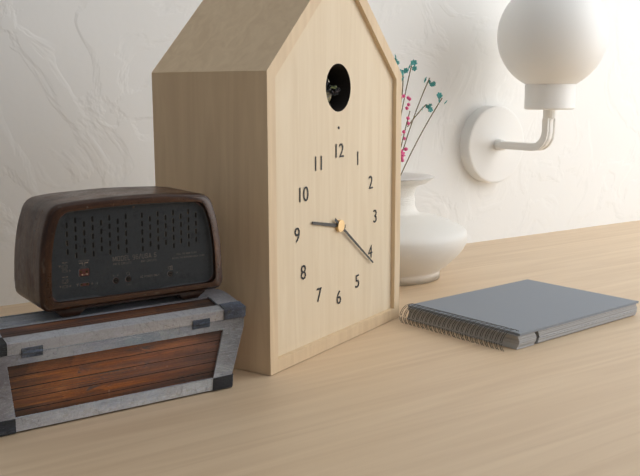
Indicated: 9,21
